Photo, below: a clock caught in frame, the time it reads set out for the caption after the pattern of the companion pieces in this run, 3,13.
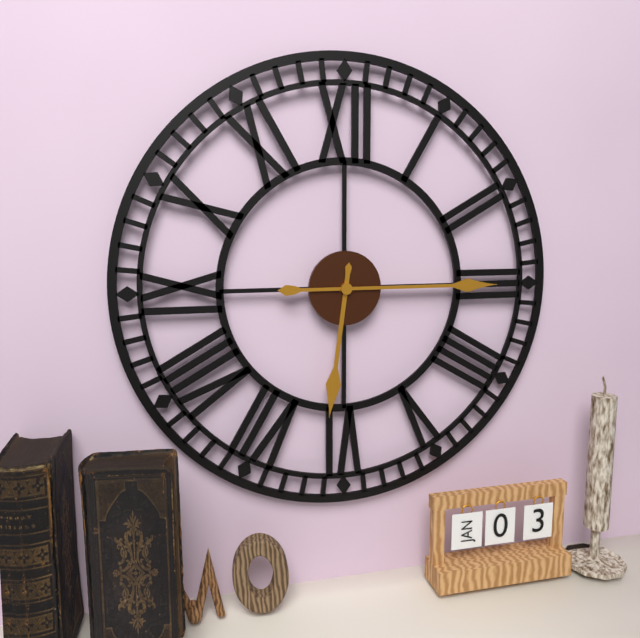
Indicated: 6,15
